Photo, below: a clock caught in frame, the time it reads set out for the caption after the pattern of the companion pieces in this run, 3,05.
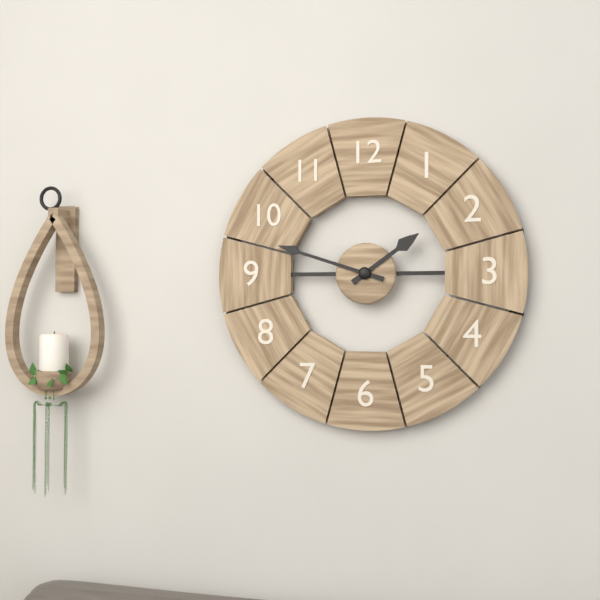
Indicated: 1,48
